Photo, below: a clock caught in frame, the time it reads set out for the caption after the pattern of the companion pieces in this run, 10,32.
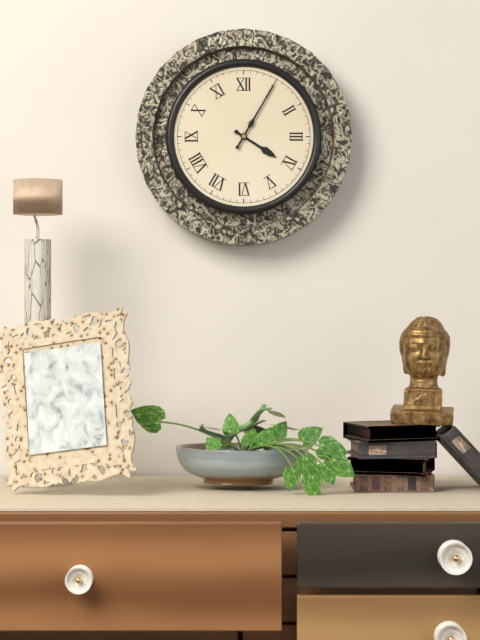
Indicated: 4,05
